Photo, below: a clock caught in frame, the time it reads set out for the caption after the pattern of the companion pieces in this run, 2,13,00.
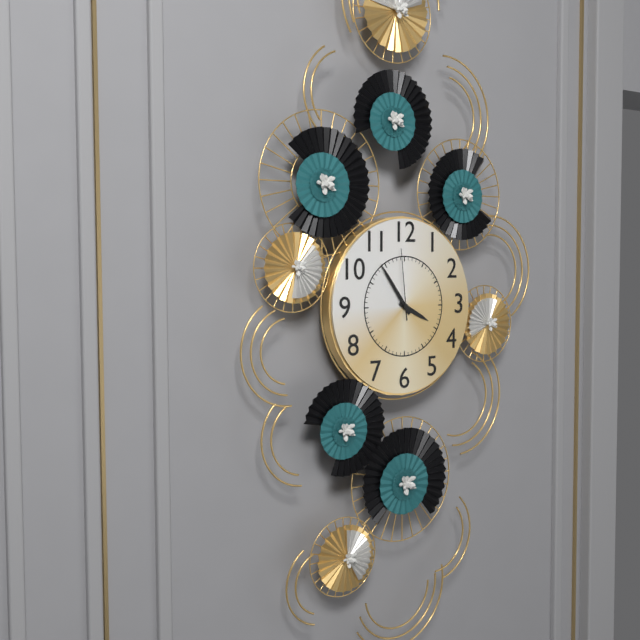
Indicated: 3,54,59
